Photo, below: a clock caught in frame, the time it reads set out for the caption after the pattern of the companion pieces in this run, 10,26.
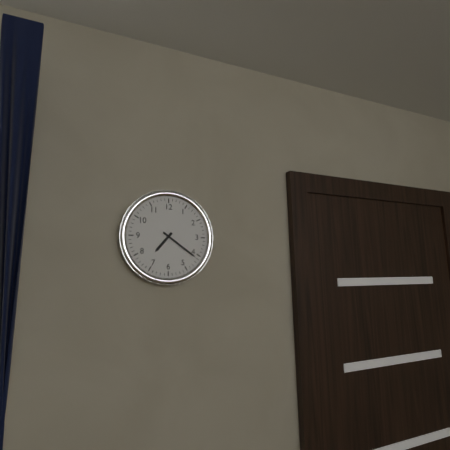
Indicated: 7,21
